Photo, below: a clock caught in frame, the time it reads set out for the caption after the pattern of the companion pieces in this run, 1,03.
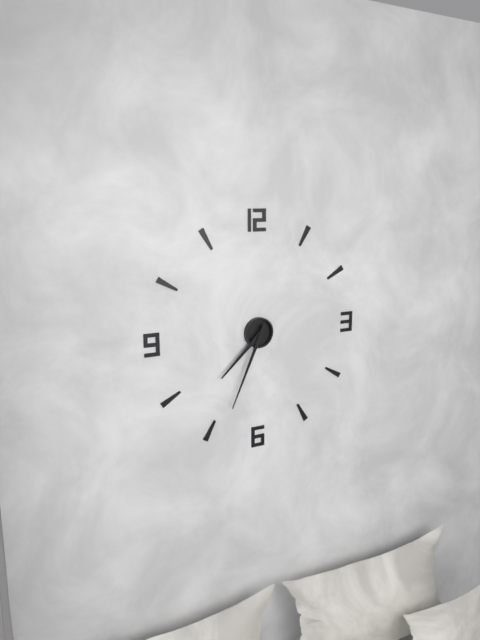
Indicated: 7,34
